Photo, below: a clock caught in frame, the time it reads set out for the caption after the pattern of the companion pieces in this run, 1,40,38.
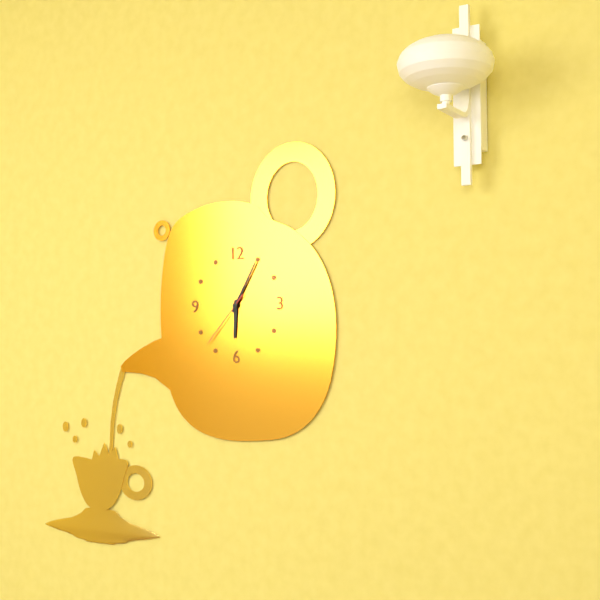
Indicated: 6,05,37
